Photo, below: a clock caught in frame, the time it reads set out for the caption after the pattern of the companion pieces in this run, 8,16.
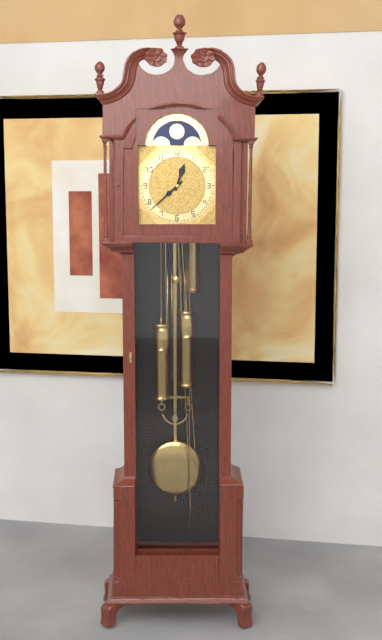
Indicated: 12,38
